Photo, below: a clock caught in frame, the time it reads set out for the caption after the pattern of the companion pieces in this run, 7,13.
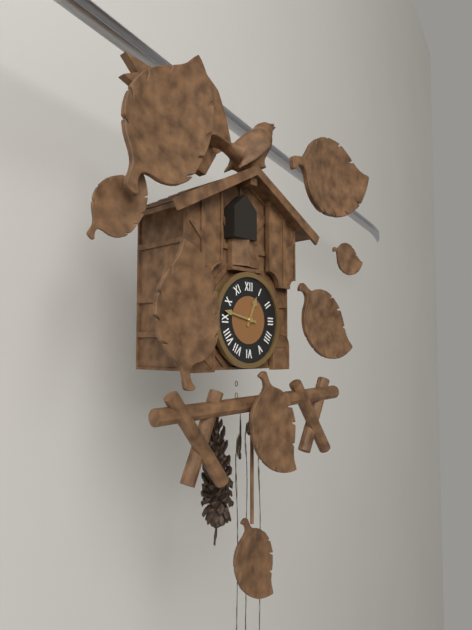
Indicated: 12,47
